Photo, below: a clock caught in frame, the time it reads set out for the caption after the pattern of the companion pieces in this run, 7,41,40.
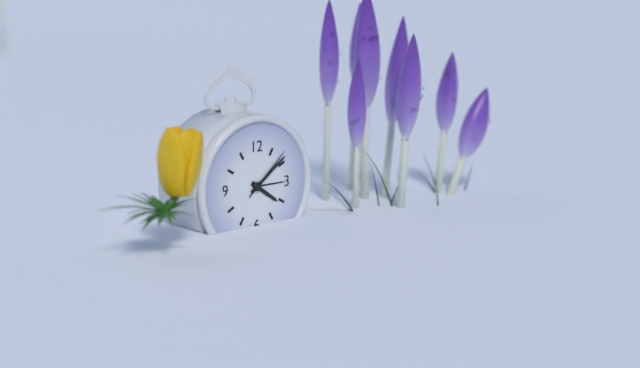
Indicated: 4,09,08
